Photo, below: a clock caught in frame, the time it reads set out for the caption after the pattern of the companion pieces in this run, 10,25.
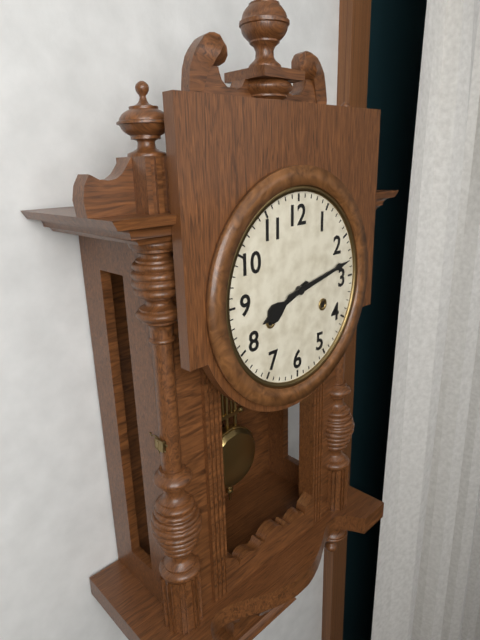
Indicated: 8,13
